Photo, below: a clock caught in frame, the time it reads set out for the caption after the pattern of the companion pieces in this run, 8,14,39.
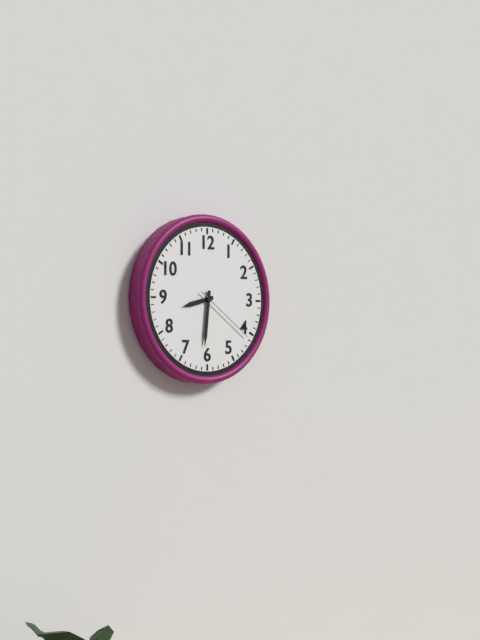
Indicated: 8,31,21
